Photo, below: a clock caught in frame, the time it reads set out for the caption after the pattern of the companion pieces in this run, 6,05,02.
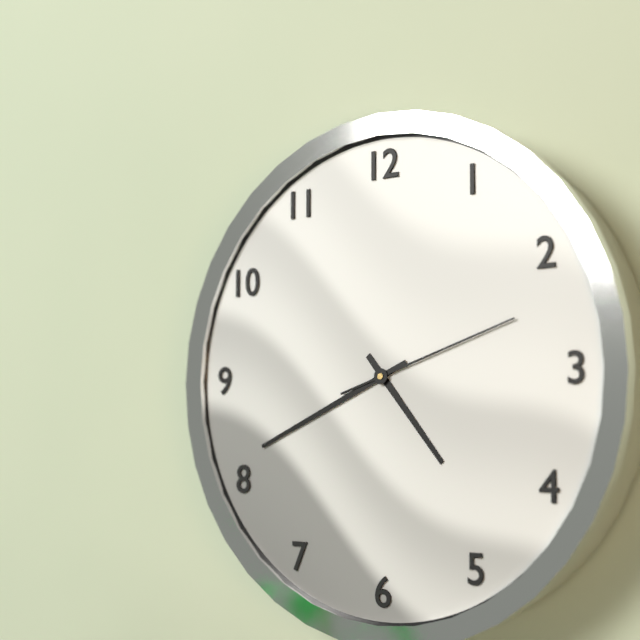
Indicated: 4,41,12
